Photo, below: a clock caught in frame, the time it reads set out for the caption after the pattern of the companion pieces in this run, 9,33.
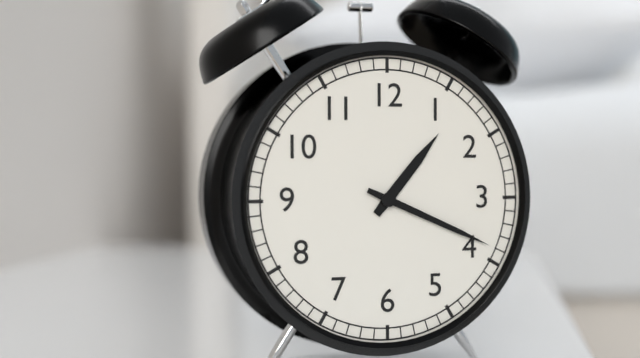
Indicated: 1,19
